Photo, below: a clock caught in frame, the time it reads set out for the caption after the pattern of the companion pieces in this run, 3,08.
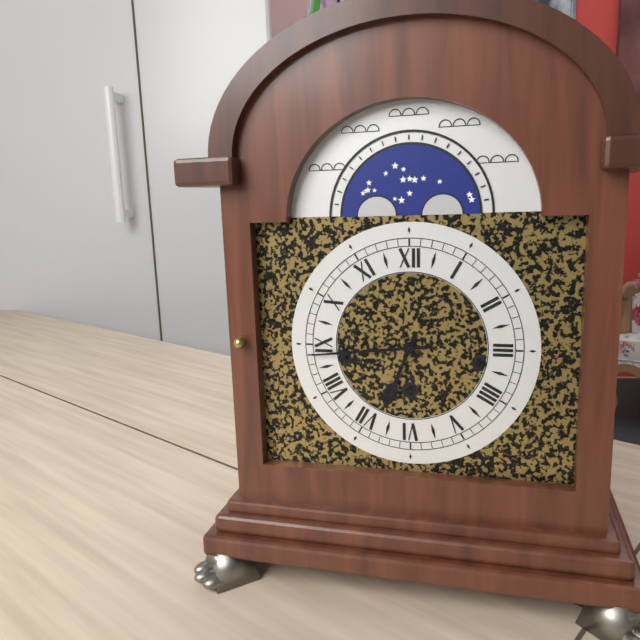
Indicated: 6,44
